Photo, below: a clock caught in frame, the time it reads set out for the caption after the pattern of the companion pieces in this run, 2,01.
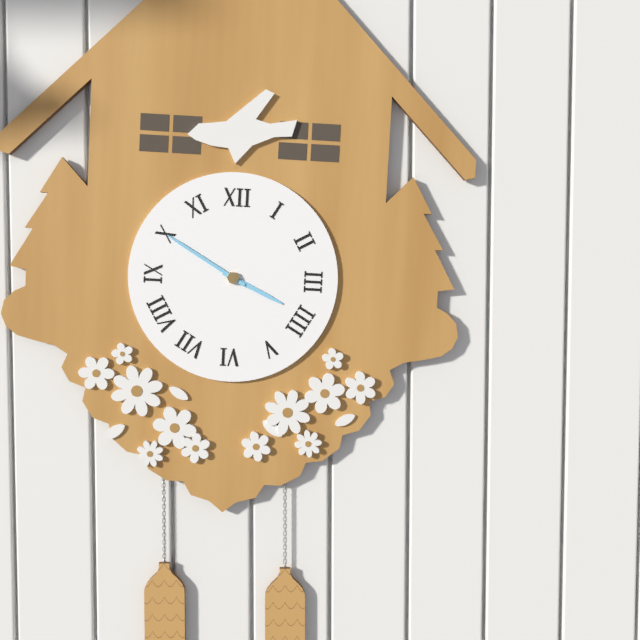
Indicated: 3,50
